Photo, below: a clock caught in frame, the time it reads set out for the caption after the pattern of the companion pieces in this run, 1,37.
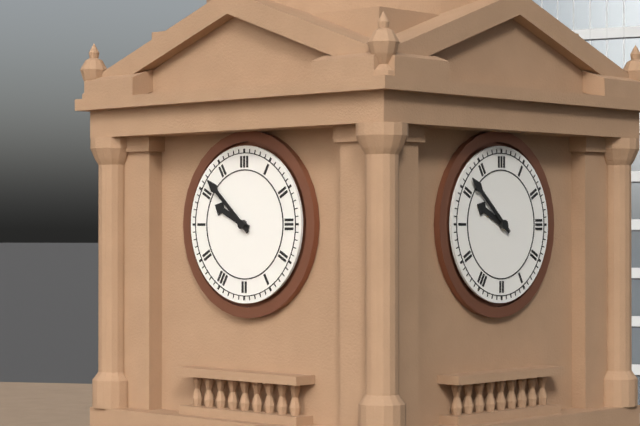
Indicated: 9,52
